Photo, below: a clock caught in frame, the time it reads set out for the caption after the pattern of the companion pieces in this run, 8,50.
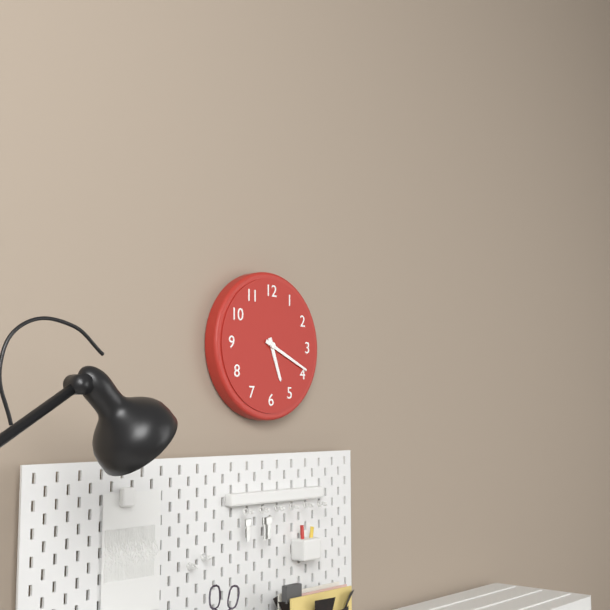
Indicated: 5,19
